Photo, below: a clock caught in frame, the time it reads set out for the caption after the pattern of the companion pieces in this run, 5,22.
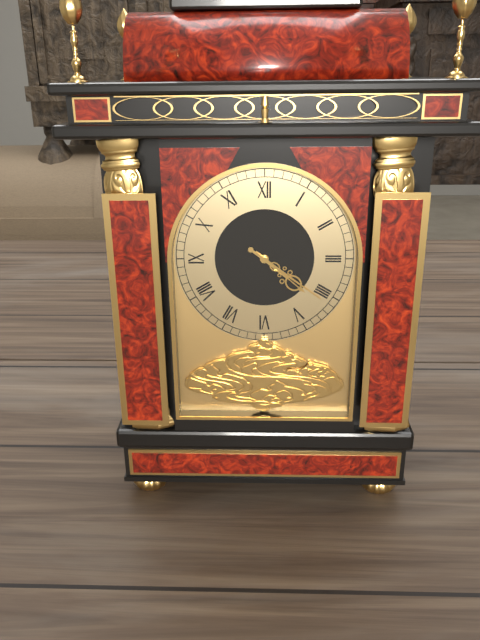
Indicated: 4,21
